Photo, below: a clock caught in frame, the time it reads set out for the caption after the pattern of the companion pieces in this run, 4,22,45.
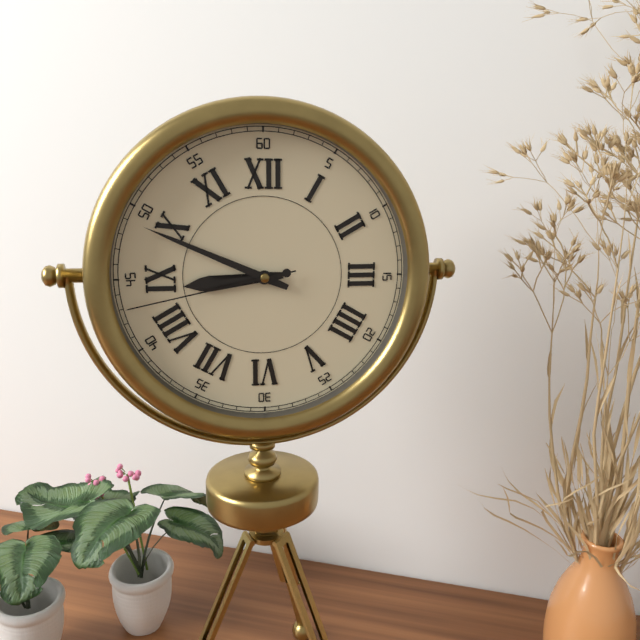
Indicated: 8,49,43
